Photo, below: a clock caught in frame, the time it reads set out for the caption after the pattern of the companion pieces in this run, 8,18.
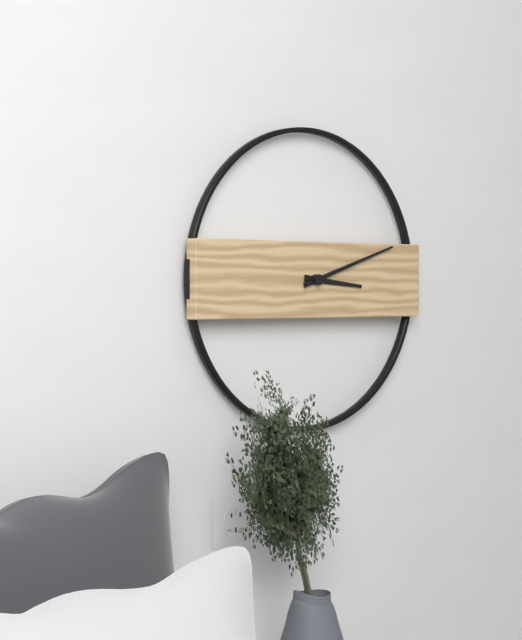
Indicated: 3,12
